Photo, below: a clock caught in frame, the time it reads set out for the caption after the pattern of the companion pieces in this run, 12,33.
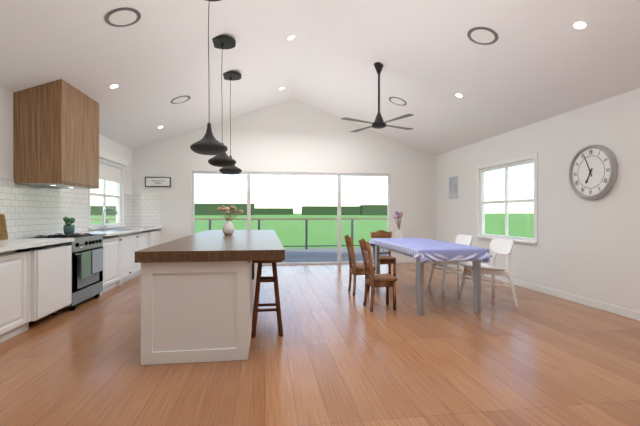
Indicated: 6,56
